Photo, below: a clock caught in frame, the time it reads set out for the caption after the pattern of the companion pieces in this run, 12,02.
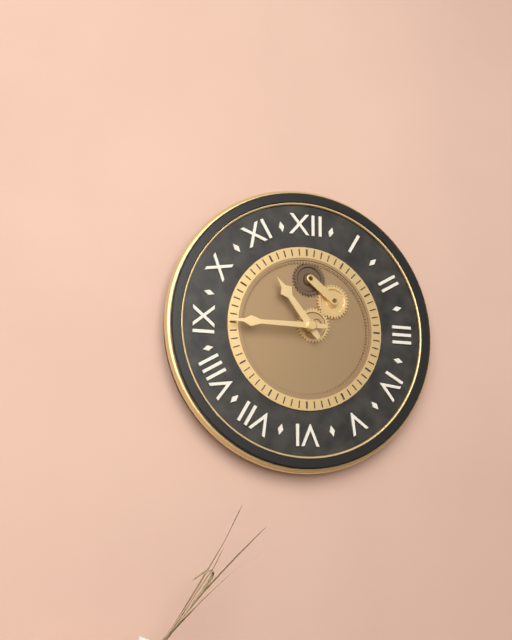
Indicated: 10,45
